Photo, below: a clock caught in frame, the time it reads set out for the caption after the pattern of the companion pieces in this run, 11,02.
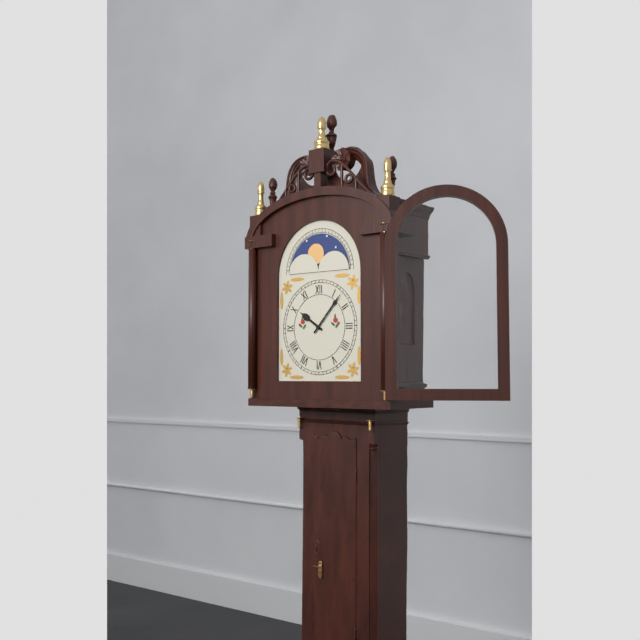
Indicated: 10,07
